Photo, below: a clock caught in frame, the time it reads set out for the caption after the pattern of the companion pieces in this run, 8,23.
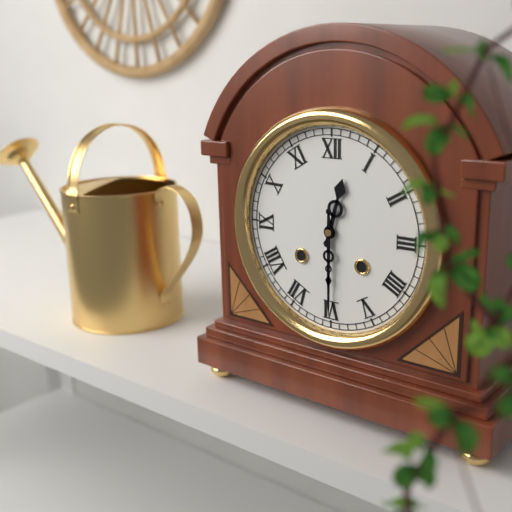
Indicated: 12,30
